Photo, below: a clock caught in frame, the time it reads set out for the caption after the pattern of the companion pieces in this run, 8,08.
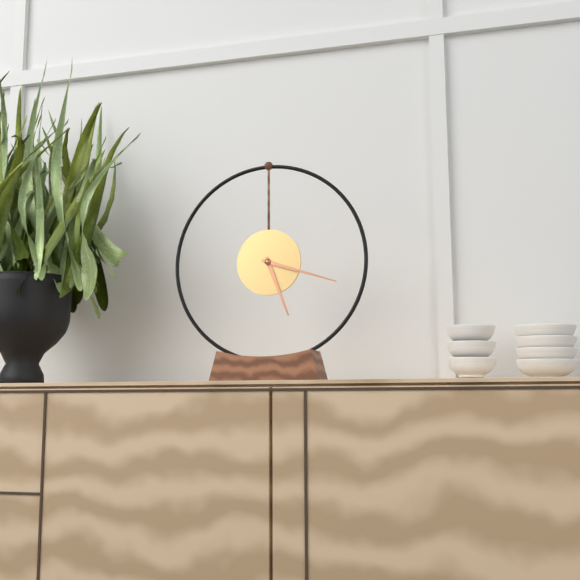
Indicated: 5,18
